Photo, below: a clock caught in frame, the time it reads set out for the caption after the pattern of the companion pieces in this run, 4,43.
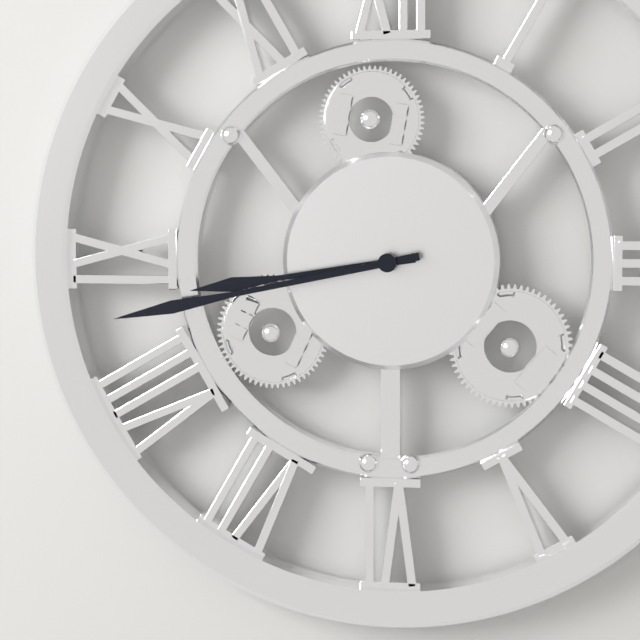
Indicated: 8,43
